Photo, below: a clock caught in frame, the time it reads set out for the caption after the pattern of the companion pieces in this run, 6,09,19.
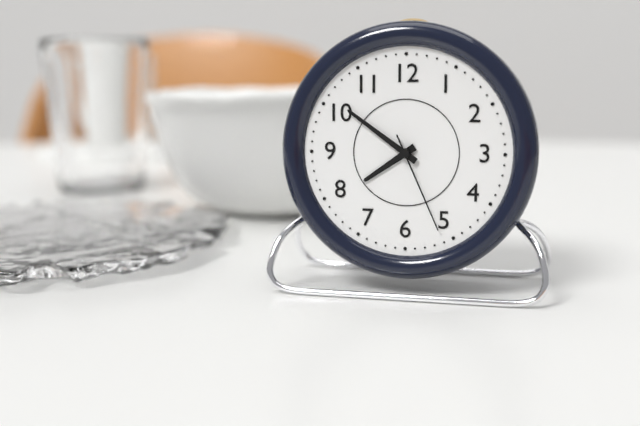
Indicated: 7,51,26
